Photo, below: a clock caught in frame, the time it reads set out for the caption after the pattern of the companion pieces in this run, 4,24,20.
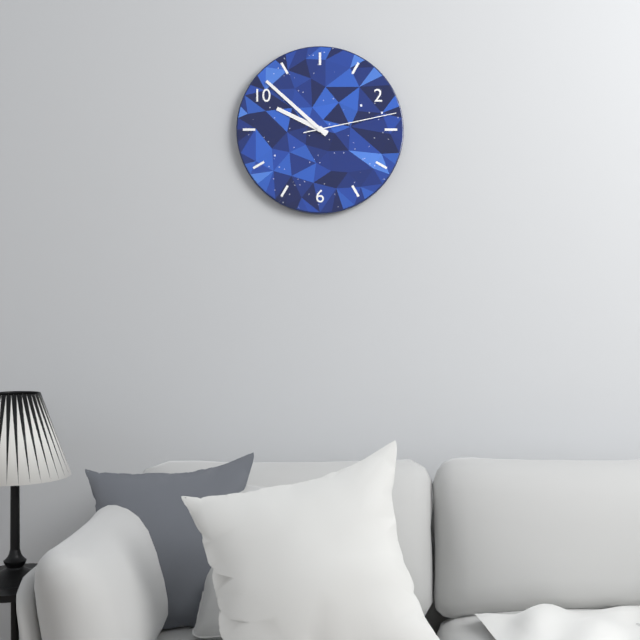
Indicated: 9,52,13
